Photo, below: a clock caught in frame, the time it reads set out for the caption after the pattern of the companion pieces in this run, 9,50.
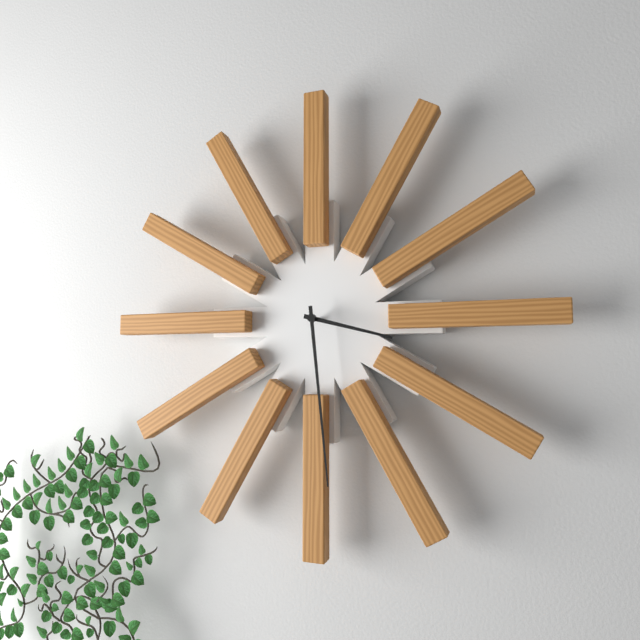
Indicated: 3,29
